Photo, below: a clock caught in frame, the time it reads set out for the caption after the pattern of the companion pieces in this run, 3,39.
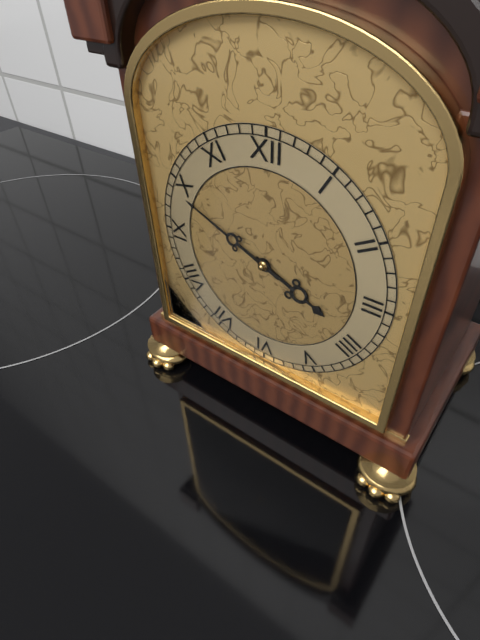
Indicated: 3,49
